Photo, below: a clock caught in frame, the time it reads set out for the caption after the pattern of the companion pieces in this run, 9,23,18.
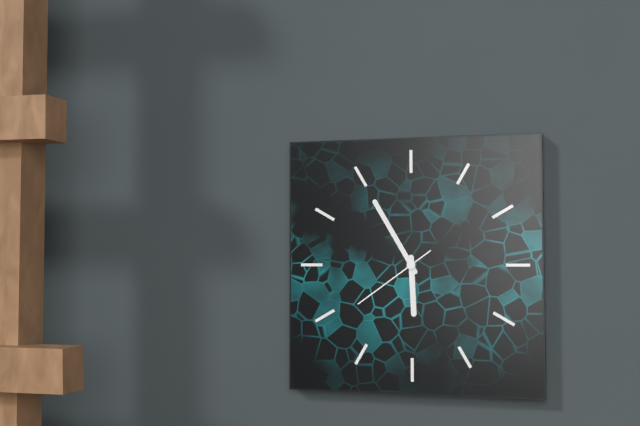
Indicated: 5,55,39
